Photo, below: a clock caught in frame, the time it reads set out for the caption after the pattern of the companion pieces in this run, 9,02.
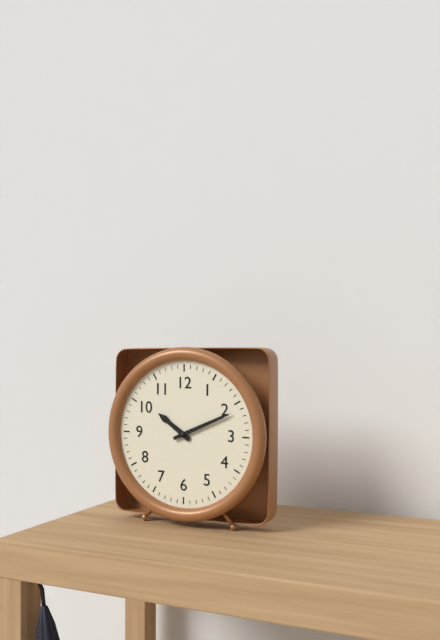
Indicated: 10,11
